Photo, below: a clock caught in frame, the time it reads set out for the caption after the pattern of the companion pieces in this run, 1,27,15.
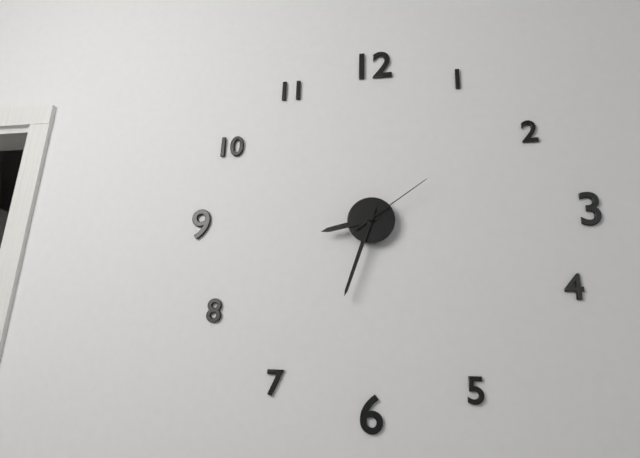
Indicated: 8,33,09
